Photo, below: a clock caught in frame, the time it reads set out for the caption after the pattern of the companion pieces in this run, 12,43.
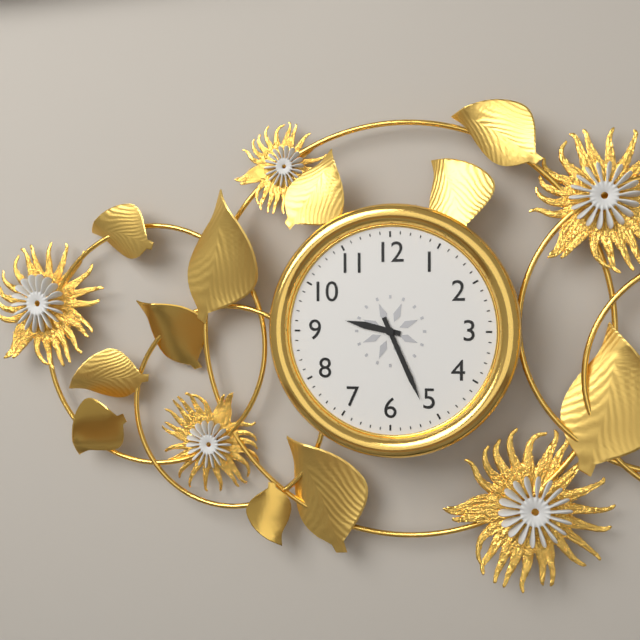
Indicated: 9,26
